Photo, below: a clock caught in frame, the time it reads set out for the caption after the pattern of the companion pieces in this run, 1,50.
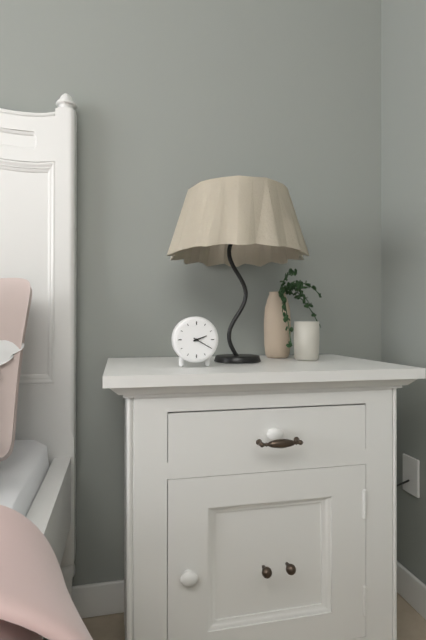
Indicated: 2,20
